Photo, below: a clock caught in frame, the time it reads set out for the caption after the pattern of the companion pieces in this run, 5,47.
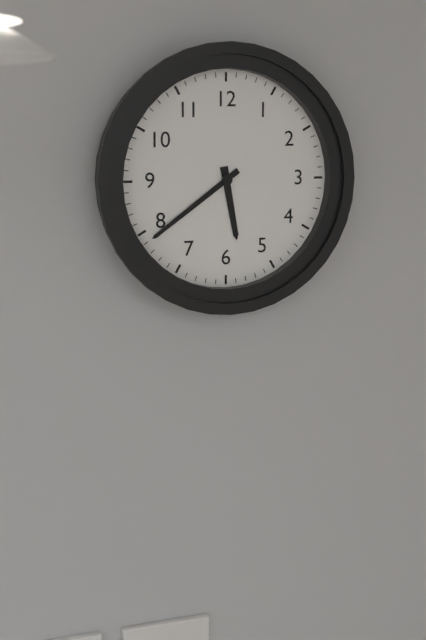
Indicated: 5,39
